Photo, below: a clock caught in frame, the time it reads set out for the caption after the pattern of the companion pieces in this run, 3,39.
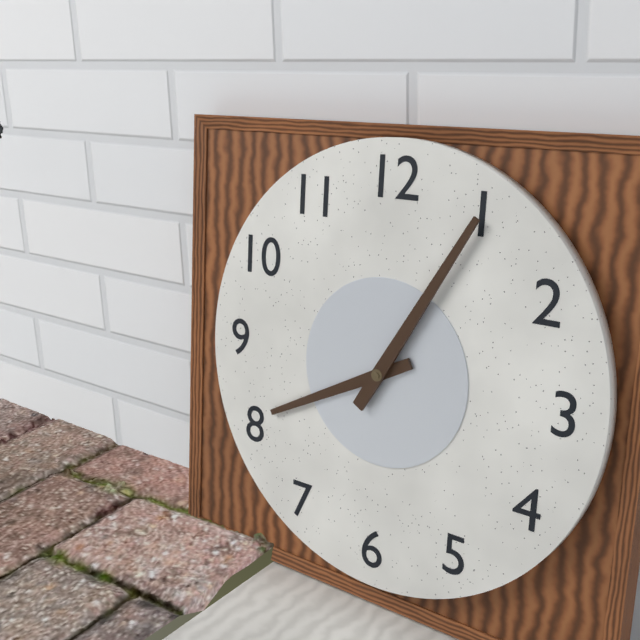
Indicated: 8,05
